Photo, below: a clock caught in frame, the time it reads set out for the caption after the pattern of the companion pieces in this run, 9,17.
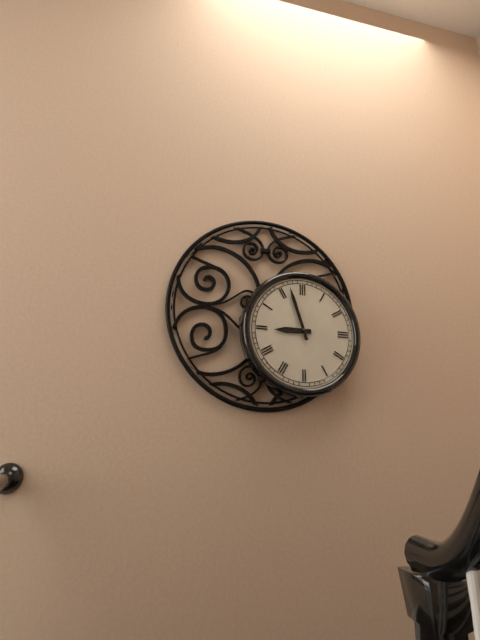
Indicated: 8,57
